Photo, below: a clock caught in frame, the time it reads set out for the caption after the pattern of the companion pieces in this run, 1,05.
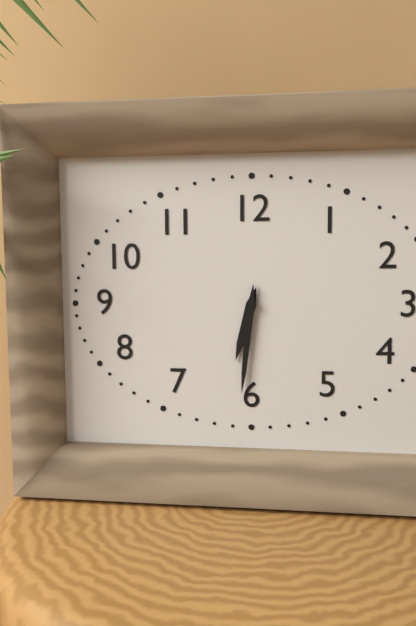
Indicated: 6,31
